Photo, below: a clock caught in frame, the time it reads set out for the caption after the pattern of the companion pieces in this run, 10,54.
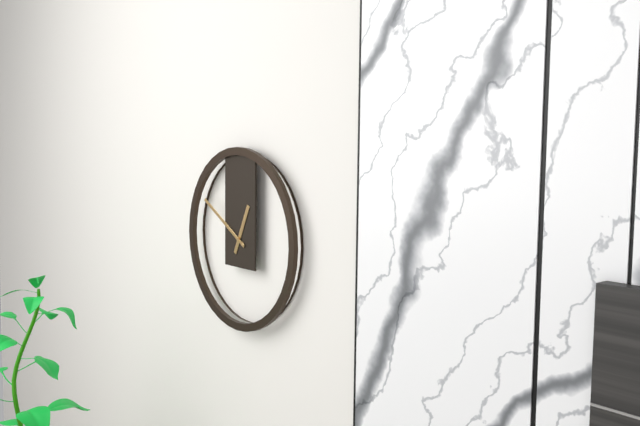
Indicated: 12,50
